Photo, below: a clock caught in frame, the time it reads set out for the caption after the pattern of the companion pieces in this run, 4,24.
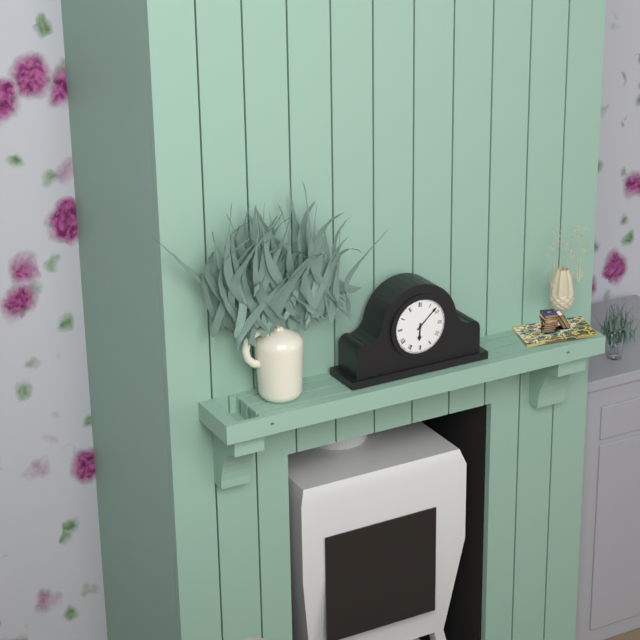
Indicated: 6,08
